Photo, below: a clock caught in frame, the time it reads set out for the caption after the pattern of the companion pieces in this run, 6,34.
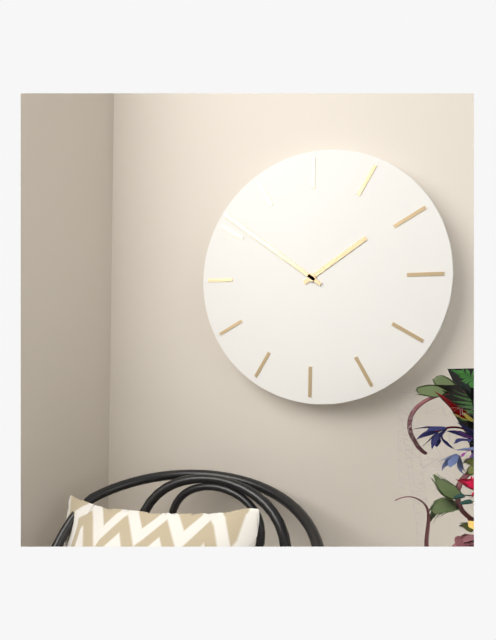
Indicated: 1,51
